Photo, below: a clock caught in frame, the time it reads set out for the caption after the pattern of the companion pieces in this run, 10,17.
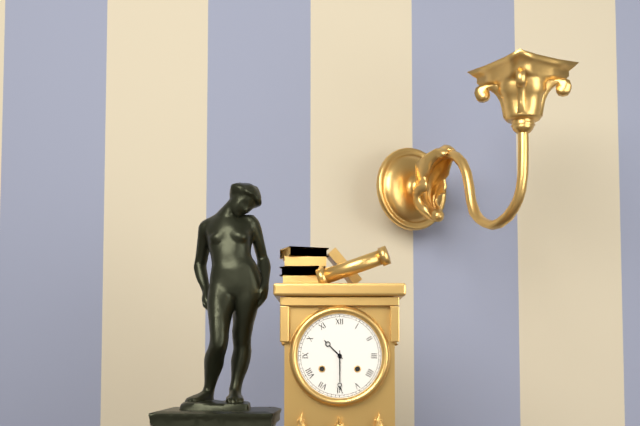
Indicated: 10,30
